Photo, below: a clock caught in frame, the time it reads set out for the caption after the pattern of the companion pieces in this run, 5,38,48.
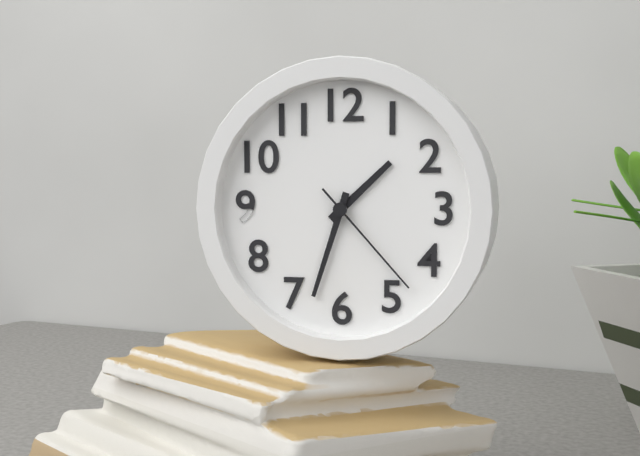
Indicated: 1,33,23
